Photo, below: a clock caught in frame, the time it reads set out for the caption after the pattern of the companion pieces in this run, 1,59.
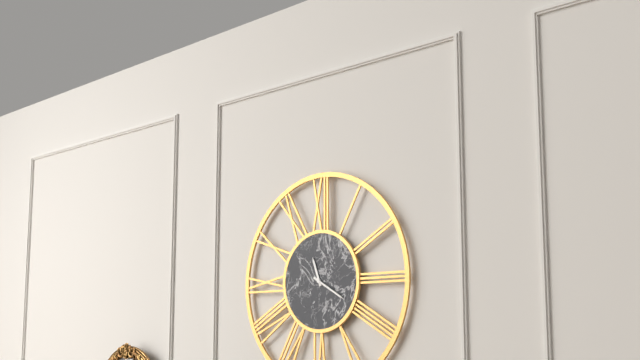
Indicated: 11,20
